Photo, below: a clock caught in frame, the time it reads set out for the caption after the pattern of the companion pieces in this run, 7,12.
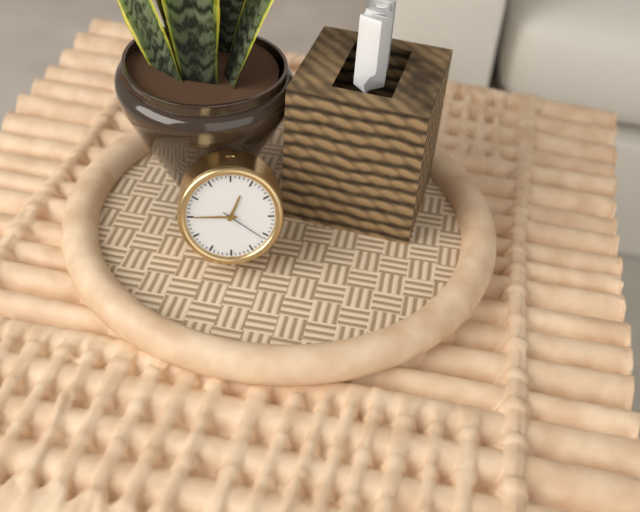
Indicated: 12,45
